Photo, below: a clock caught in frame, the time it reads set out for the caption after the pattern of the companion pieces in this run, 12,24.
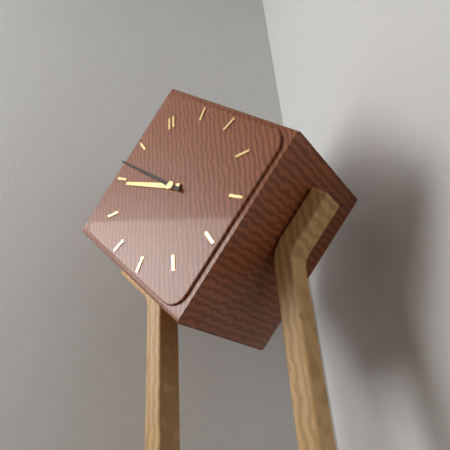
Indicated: 9,52
